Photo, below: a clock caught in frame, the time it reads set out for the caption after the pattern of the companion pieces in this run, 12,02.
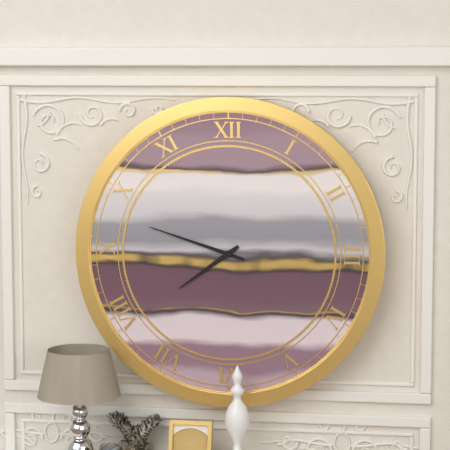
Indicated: 7,48
